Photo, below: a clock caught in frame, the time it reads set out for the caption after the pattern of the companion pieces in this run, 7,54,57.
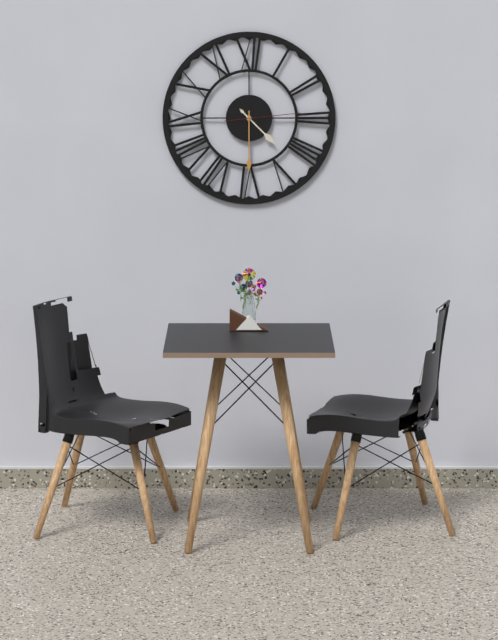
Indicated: 4,30,14
